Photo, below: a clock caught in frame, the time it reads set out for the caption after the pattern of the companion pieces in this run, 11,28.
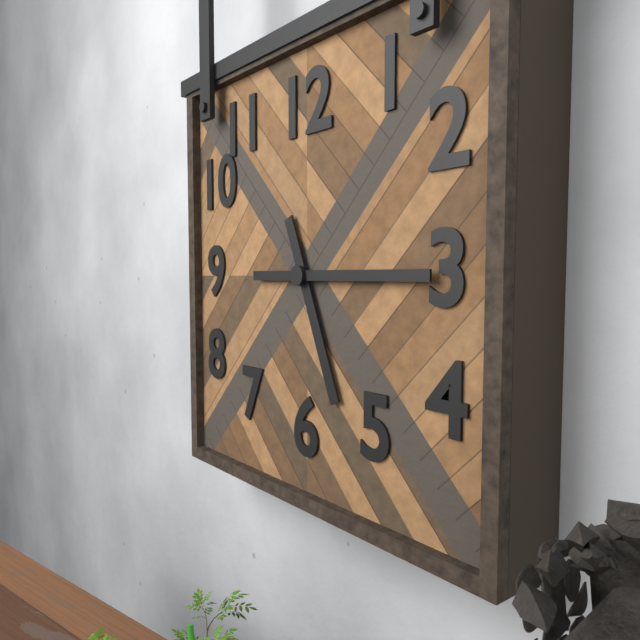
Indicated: 5,15
